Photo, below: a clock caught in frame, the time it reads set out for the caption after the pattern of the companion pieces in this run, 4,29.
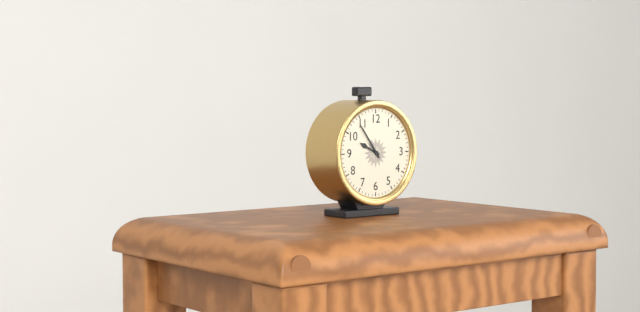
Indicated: 9,54
